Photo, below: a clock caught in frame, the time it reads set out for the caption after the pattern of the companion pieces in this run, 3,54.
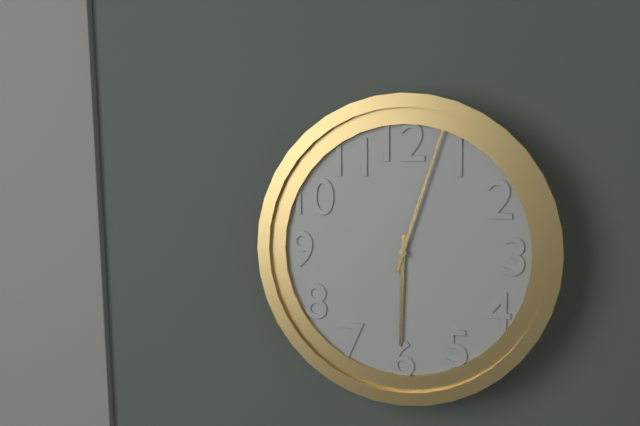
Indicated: 6,03
